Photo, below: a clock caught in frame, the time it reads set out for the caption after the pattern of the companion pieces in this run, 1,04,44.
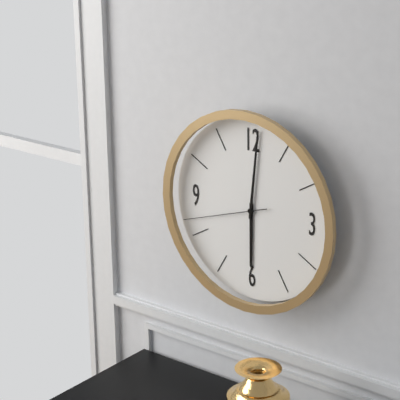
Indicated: 6,01,42
